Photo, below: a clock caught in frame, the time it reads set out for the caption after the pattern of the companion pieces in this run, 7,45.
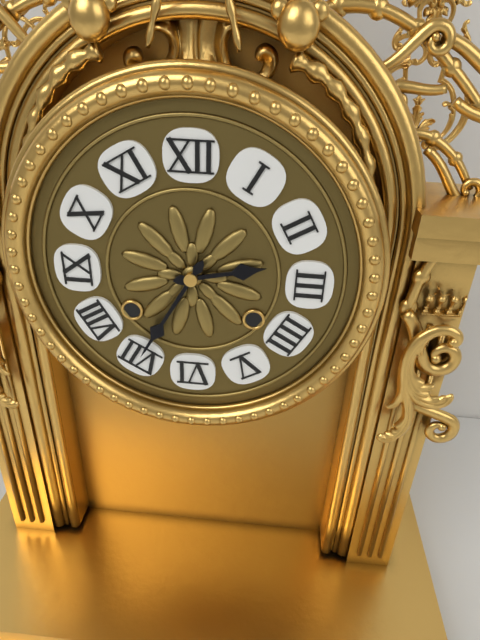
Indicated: 2,35
